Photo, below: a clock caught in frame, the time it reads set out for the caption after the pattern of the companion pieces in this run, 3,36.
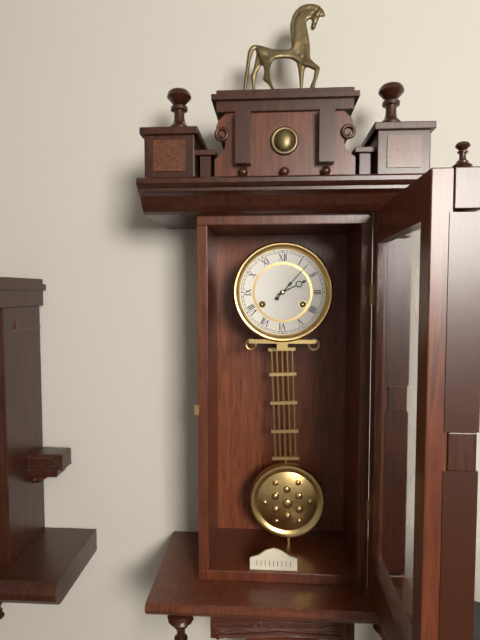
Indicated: 2,07
